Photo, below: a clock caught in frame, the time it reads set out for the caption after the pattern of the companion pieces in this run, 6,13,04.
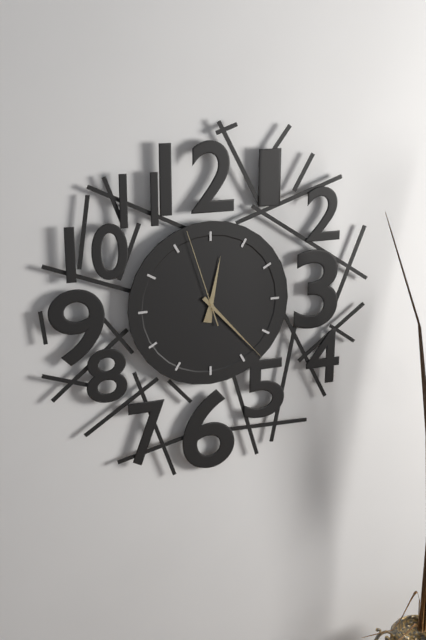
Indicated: 12,23,57
